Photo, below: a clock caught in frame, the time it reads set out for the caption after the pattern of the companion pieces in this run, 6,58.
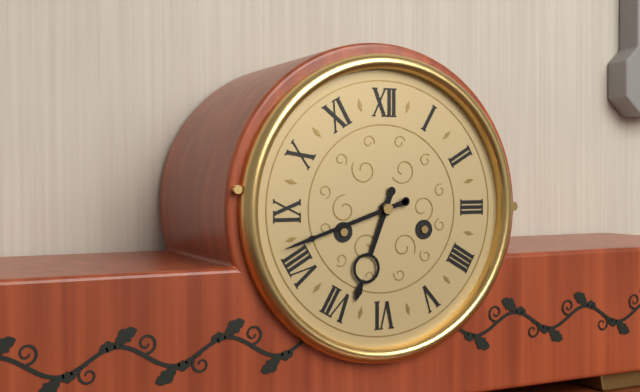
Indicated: 6,42
